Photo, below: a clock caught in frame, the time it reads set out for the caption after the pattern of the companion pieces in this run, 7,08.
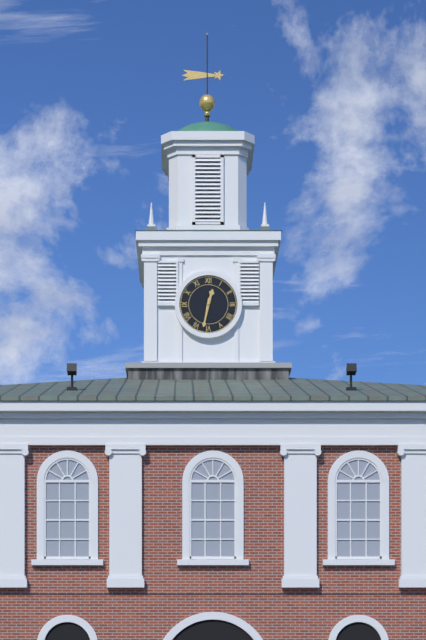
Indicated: 12,32
